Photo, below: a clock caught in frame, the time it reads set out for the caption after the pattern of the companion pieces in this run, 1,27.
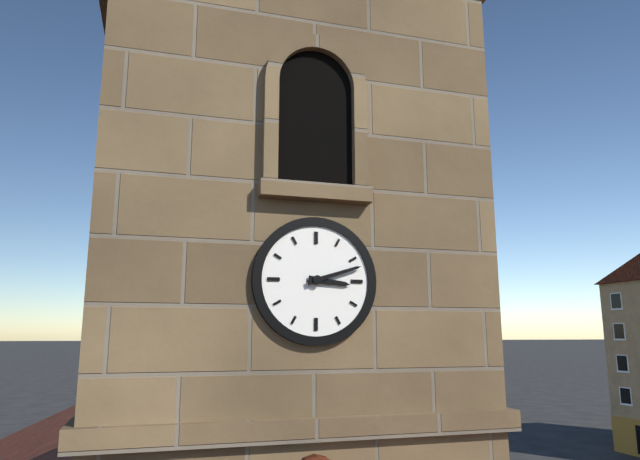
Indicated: 3,12
